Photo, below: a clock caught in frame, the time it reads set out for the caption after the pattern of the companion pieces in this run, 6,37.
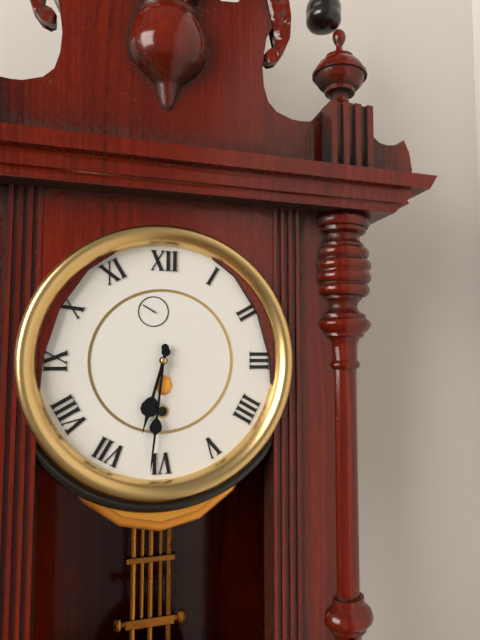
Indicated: 6,31
